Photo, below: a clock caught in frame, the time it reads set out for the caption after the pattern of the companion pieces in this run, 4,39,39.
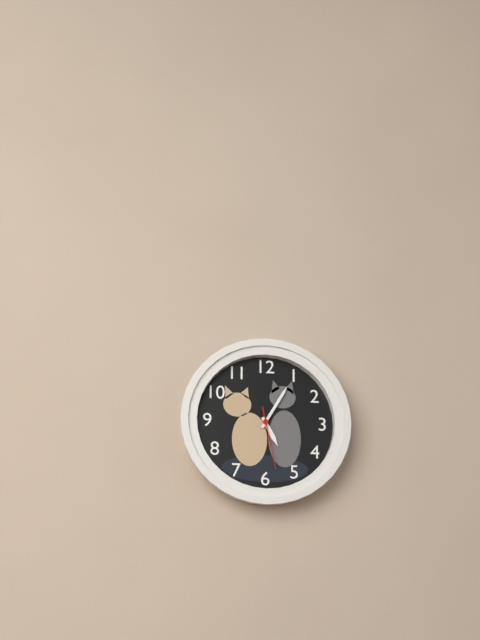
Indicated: 5,05,28
